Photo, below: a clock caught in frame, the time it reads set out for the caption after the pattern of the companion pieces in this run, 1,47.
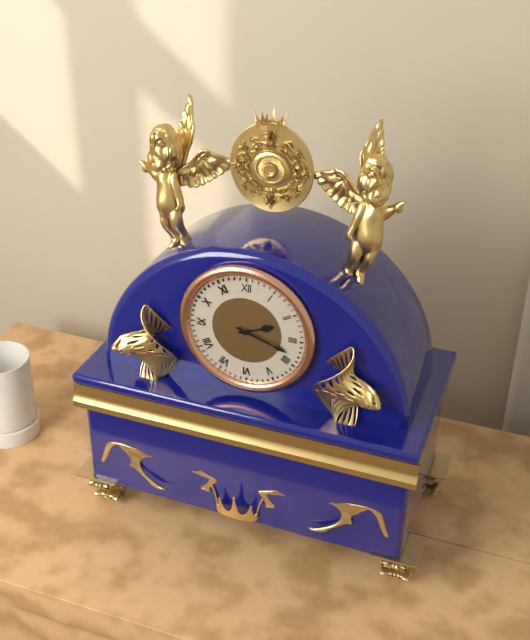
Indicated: 2,18
